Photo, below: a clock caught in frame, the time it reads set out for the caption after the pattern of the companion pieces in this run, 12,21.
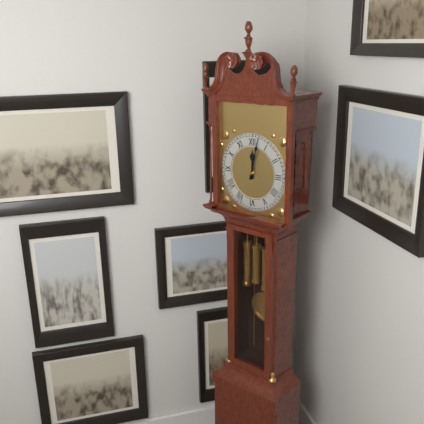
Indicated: 12,02
